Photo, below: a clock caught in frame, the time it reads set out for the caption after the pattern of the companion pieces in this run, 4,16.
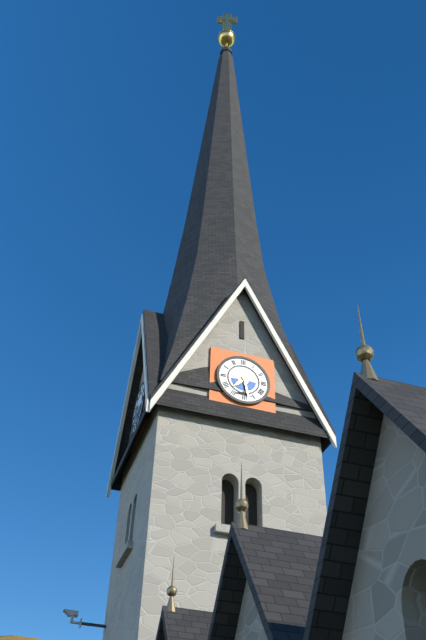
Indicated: 7,28
